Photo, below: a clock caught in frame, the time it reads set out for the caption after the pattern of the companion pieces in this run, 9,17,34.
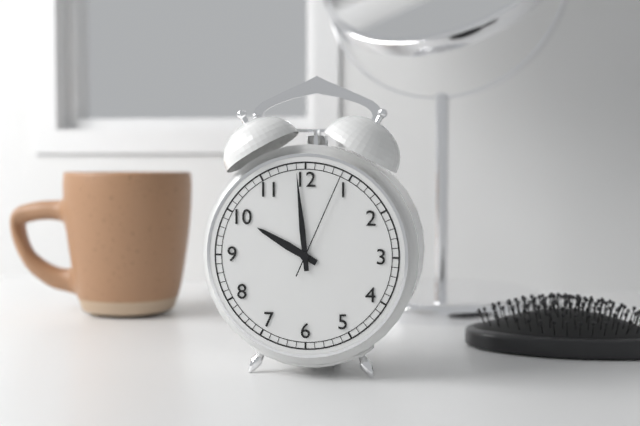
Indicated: 9,59,04
